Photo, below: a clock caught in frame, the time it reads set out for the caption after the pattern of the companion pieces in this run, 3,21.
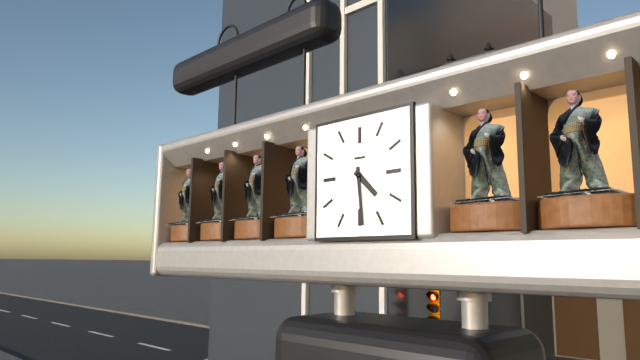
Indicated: 4,29
